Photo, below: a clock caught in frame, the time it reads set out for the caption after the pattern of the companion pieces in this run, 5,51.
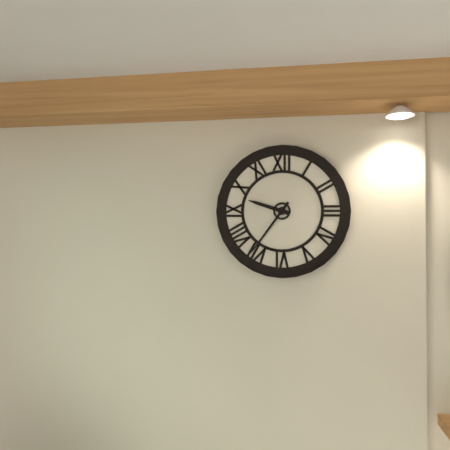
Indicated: 9,36
